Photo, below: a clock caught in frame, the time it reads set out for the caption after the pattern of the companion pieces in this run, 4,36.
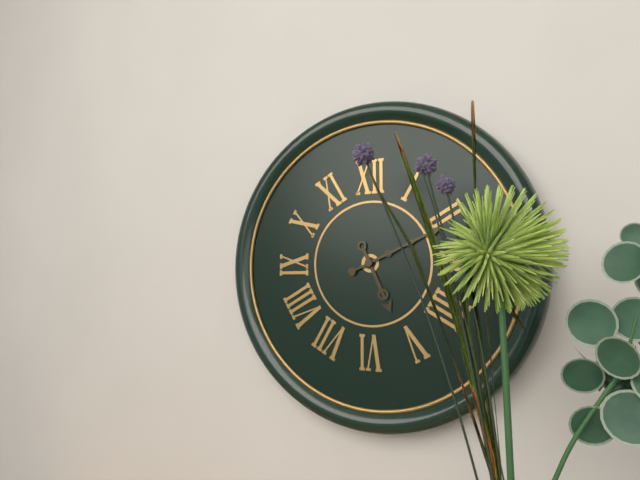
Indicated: 5,11
